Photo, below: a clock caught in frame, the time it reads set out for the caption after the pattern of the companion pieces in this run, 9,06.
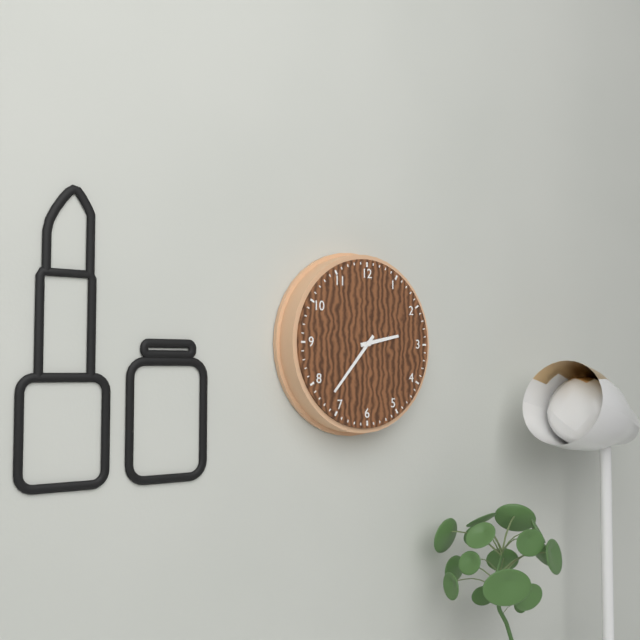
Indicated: 2,37
